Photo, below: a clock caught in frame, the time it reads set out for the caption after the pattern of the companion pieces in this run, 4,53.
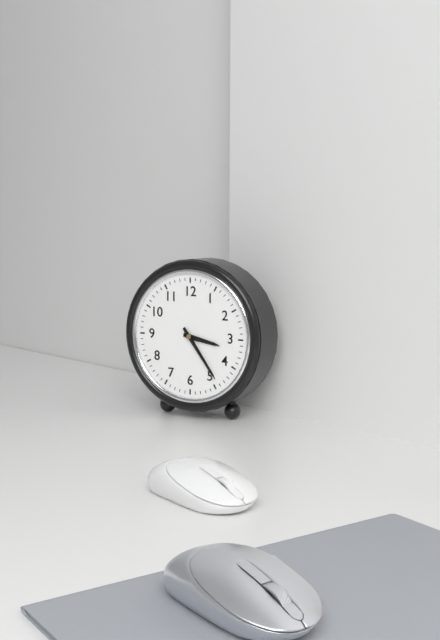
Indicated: 3,24
